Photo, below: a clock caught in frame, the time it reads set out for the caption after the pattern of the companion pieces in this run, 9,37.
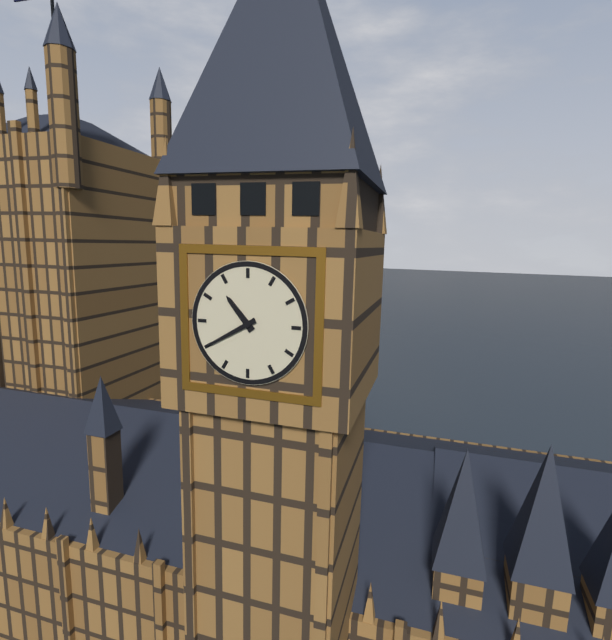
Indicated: 10,40
